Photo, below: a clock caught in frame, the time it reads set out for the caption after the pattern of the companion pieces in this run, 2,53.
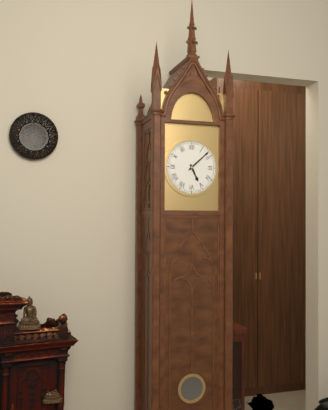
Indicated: 5,08
